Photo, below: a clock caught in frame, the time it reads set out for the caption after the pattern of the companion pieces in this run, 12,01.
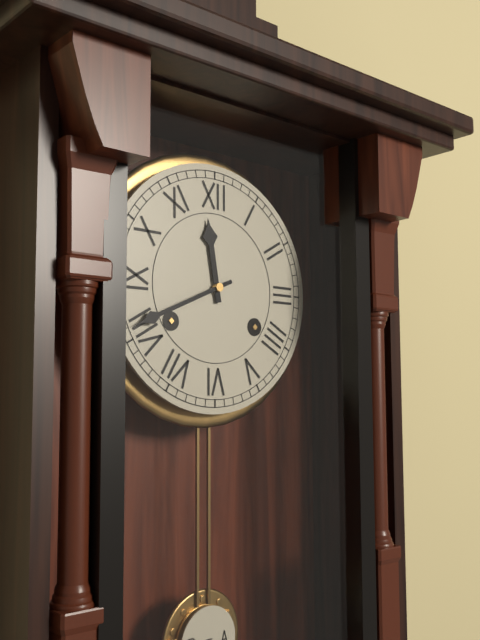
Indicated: 11,41
